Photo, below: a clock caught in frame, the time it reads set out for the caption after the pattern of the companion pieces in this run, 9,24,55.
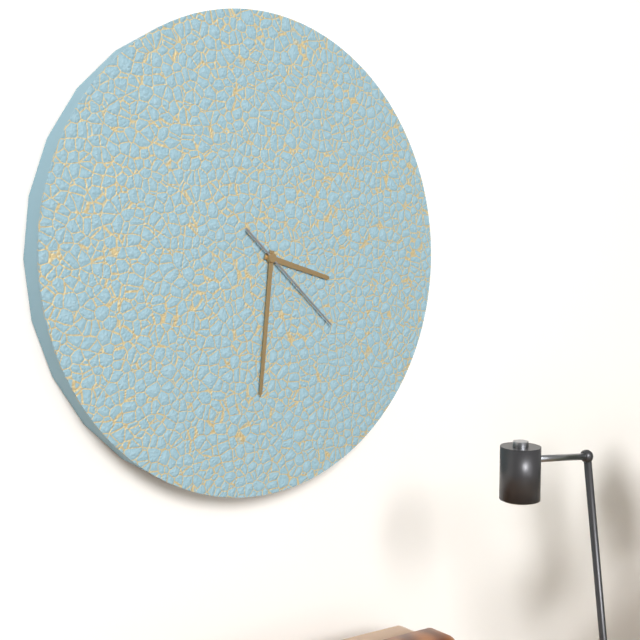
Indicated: 3,31,22
